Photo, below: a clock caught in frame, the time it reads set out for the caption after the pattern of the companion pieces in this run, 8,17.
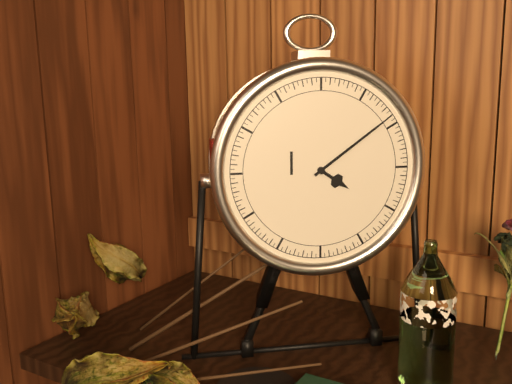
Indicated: 4,09
